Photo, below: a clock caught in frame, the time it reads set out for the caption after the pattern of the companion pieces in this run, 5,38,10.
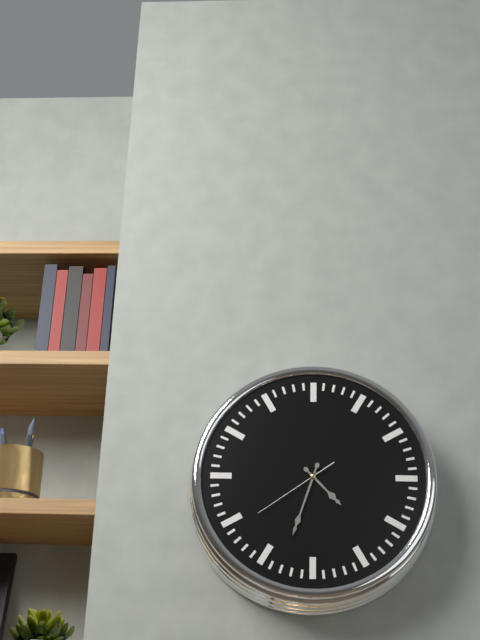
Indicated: 4,33,39
